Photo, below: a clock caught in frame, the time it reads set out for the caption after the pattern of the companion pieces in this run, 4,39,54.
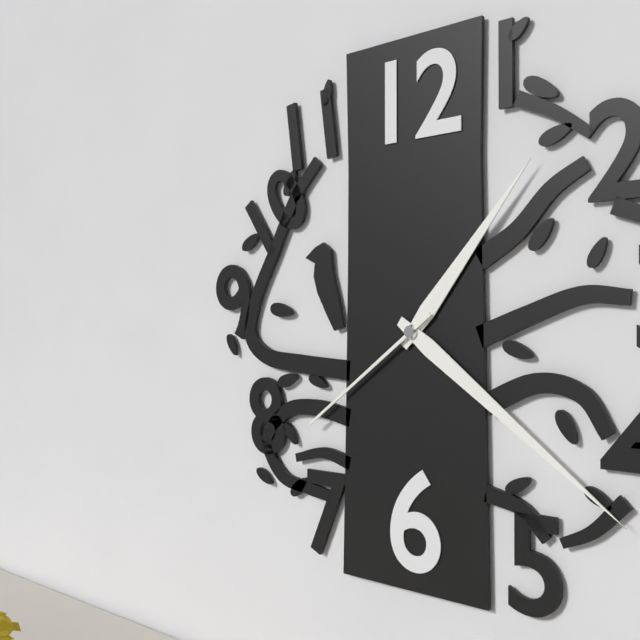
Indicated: 1,21,39
